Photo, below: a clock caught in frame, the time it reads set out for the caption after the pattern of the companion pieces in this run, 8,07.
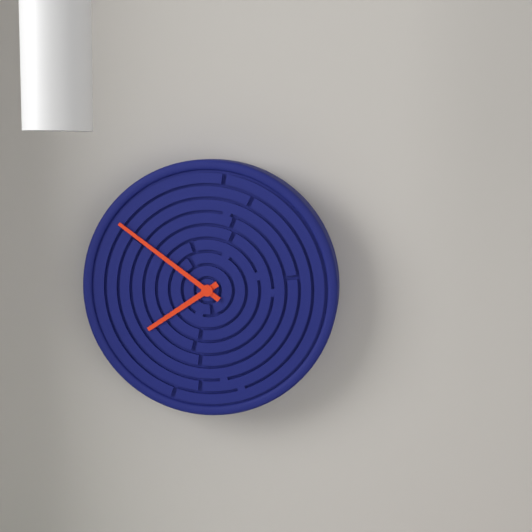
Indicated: 7,51
